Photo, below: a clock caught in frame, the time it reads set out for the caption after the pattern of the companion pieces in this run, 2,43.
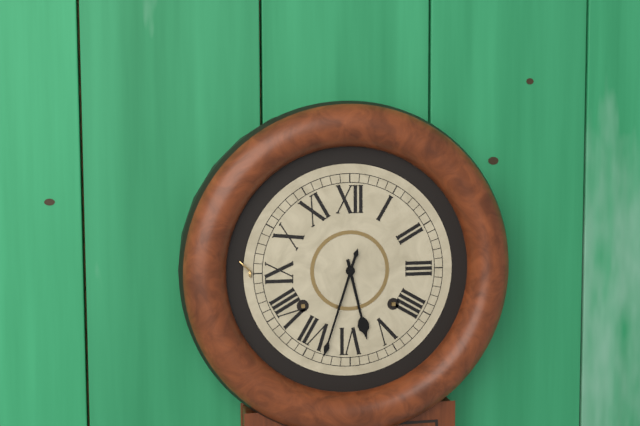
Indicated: 5,33
